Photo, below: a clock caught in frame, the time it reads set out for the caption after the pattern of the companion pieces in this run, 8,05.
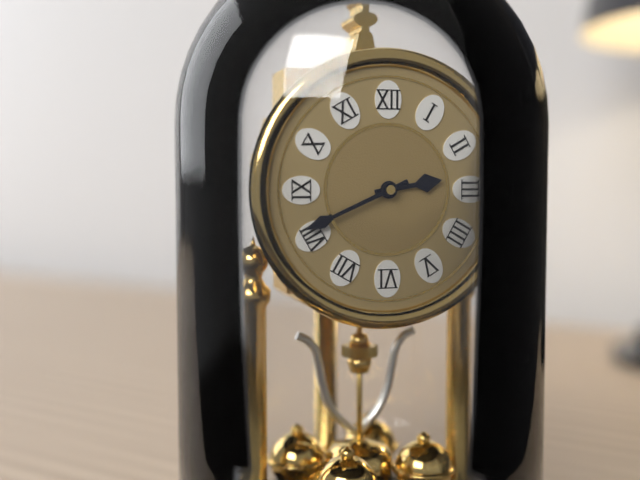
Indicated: 2,41
